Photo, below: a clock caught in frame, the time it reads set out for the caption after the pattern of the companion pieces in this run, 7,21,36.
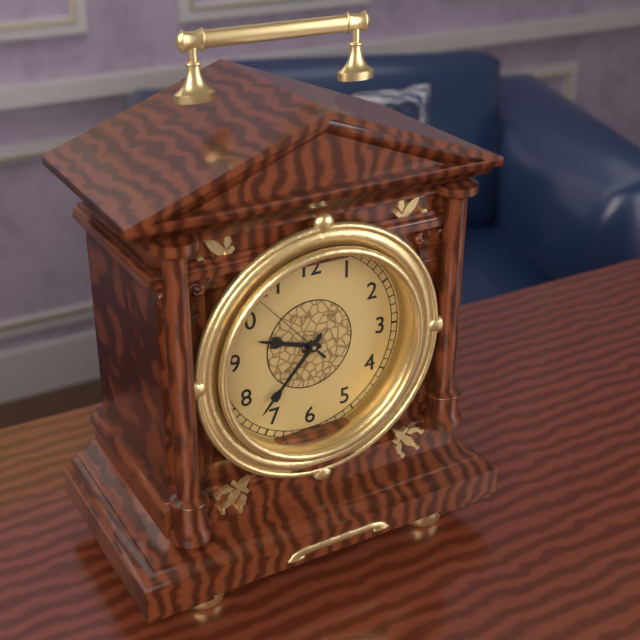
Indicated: 9,37,53
